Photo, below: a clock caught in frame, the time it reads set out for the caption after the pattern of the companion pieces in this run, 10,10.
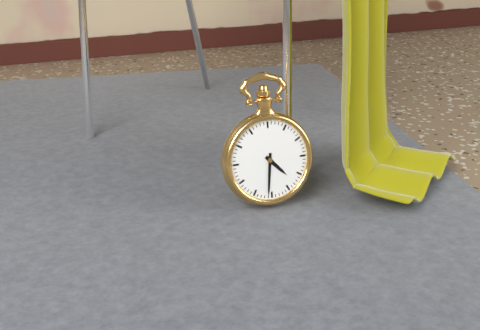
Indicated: 4,31
